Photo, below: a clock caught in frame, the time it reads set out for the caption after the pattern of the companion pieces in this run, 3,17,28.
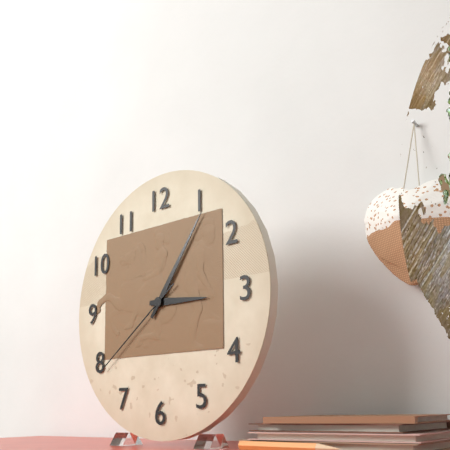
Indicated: 3,06,39
